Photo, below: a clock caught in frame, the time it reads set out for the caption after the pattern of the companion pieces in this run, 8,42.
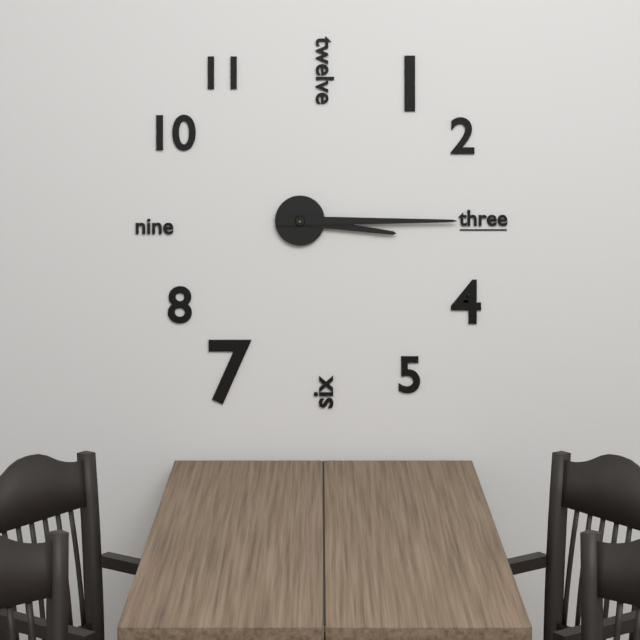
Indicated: 3,15
